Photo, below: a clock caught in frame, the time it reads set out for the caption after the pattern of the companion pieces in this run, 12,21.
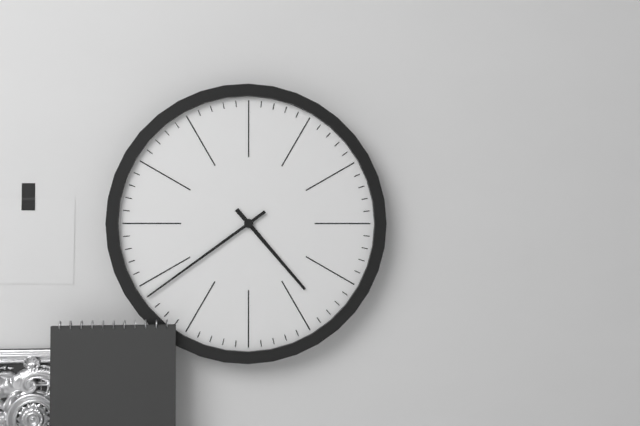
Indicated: 4,39
